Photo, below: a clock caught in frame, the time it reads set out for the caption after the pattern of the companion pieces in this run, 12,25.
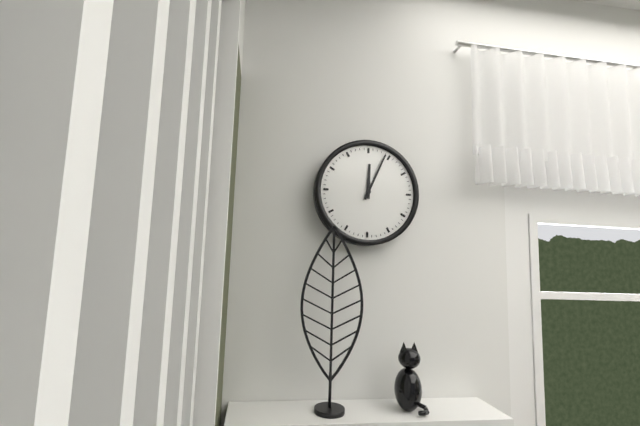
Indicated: 12,04
